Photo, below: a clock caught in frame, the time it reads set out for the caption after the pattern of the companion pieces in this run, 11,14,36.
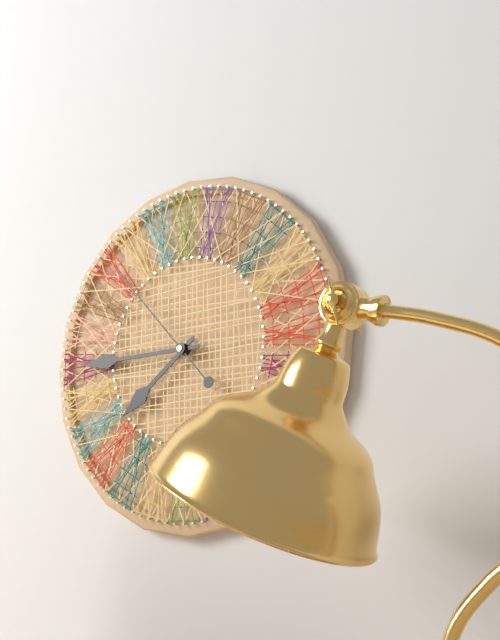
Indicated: 7,45,53
